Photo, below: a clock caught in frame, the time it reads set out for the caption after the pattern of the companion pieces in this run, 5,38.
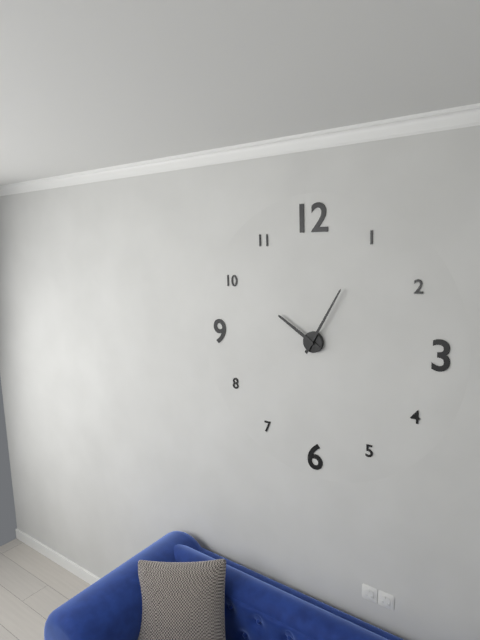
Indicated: 10,05
